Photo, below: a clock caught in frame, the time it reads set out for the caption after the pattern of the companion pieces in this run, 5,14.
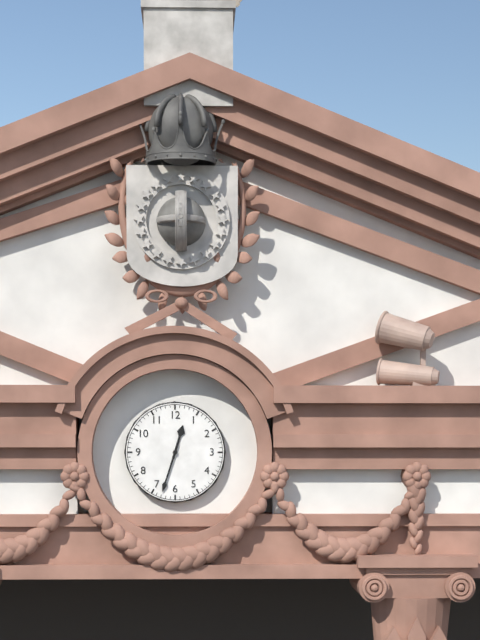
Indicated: 12,33
